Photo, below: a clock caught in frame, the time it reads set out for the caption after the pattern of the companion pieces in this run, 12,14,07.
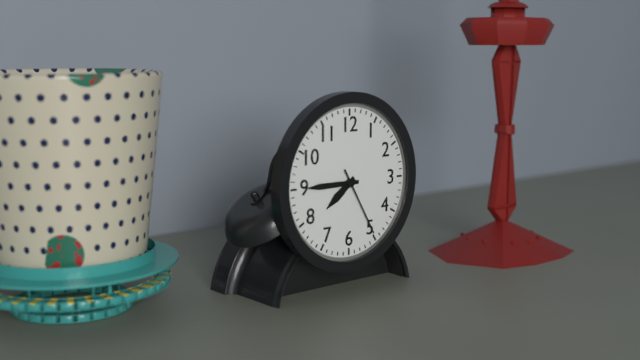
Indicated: 7,45,25
